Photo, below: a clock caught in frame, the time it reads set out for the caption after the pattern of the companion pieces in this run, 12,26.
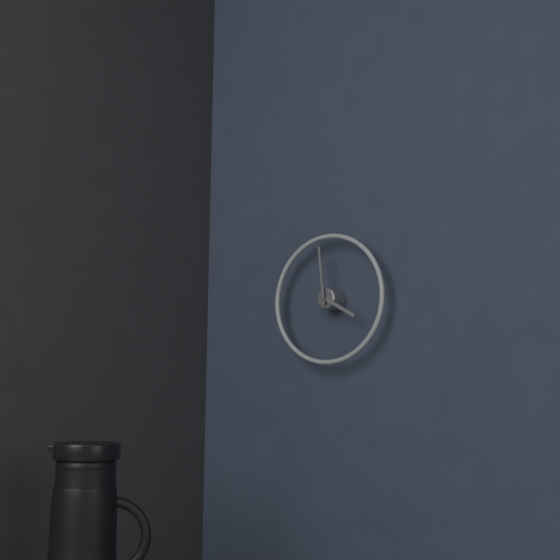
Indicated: 3,59
